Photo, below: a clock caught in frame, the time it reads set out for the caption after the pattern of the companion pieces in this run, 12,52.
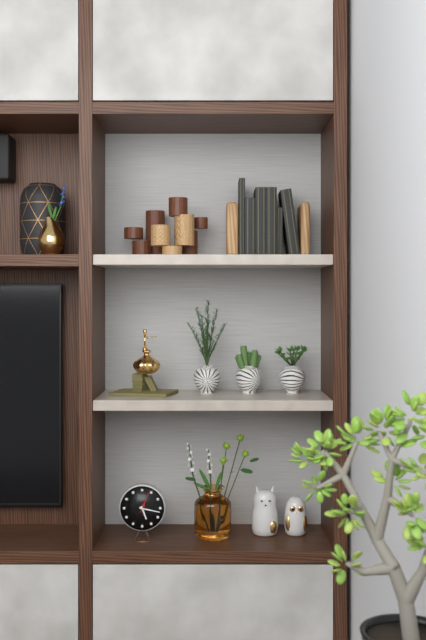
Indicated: 5,17
